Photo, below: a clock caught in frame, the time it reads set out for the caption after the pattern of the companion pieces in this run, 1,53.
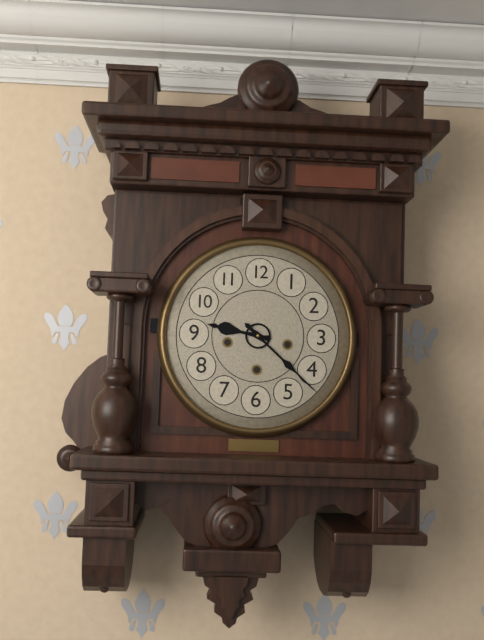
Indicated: 9,22
